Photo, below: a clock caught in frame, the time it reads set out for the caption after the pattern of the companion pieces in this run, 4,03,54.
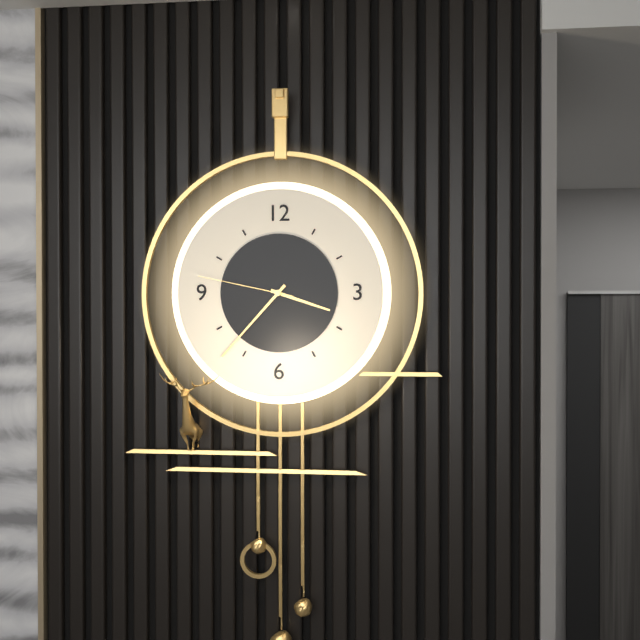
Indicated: 3,37,47
